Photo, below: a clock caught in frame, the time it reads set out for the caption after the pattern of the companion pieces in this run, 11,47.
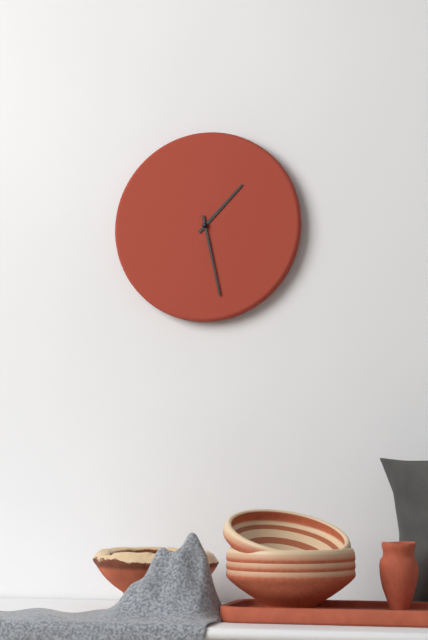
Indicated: 1,28
